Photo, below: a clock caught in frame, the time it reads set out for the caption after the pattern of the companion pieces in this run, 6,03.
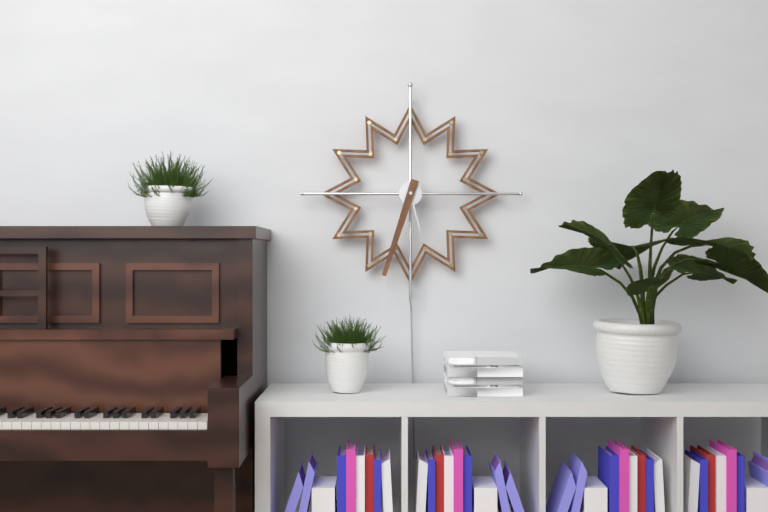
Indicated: 5,33
